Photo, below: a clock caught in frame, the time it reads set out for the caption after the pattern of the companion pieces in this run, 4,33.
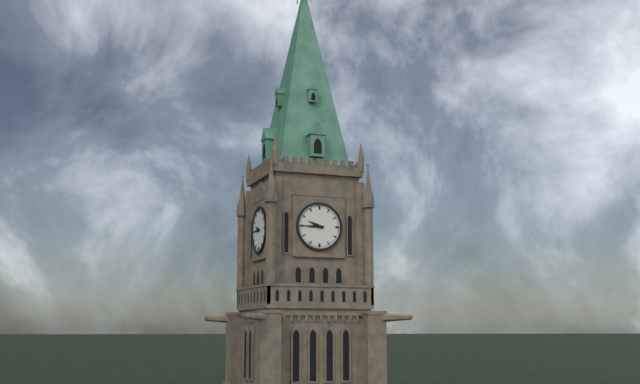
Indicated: 9,45
